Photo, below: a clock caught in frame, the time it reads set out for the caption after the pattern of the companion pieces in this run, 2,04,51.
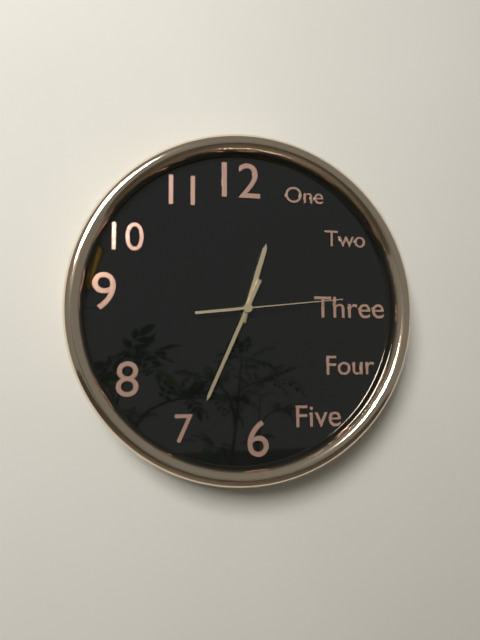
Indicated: 12,34,14
